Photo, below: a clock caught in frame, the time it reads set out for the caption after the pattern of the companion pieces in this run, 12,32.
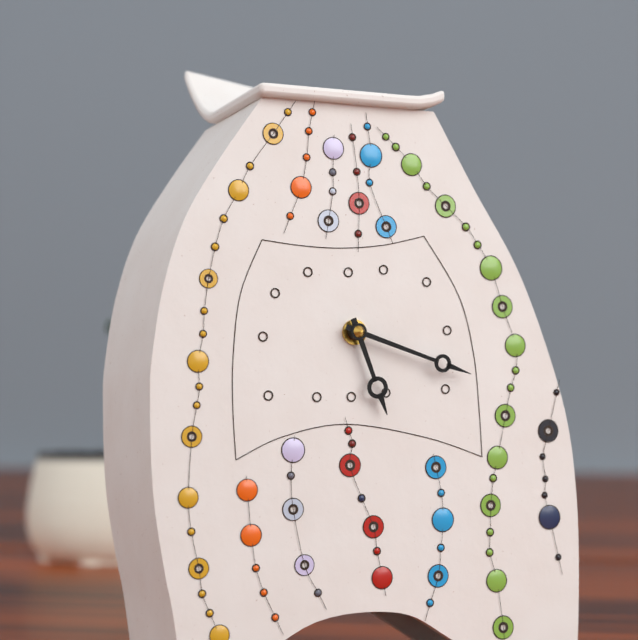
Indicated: 5,18
